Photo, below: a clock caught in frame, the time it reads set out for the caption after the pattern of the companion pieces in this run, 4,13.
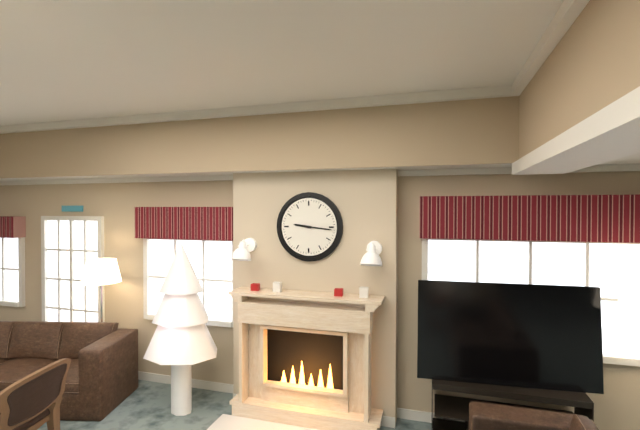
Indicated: 9,16
